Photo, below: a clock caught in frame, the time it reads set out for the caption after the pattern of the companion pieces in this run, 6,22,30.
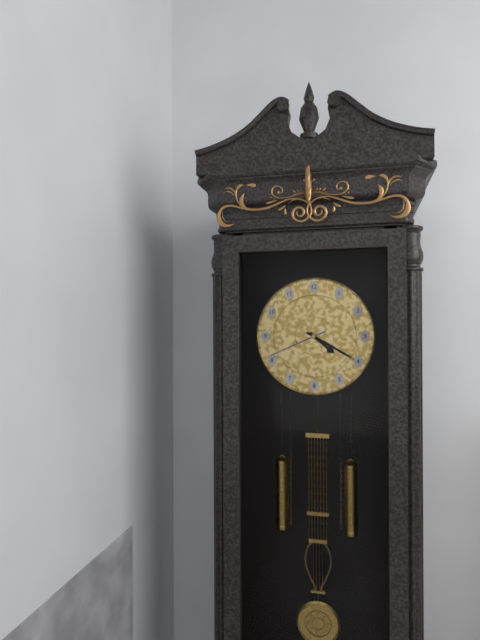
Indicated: 4,20,41
